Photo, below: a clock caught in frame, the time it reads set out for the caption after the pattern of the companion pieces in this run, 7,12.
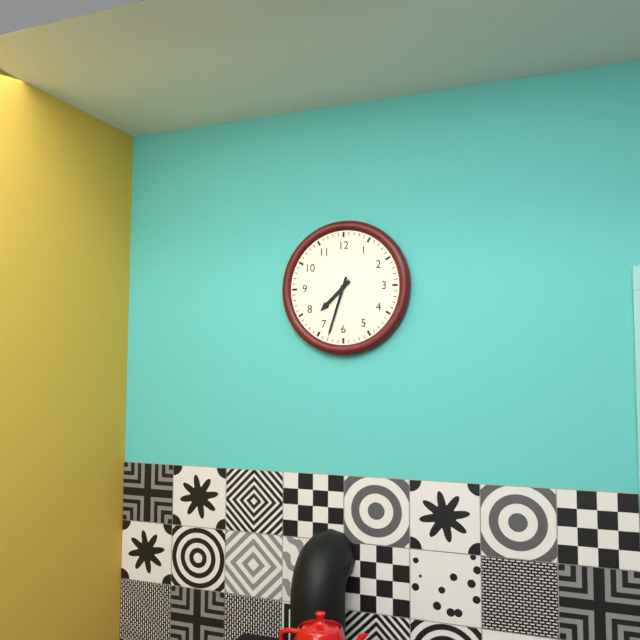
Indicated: 7,33
